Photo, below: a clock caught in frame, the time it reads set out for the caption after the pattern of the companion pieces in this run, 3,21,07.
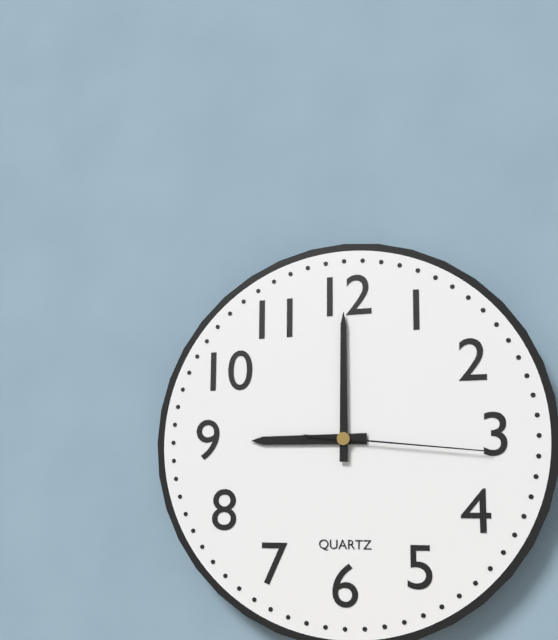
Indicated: 9,00,16
